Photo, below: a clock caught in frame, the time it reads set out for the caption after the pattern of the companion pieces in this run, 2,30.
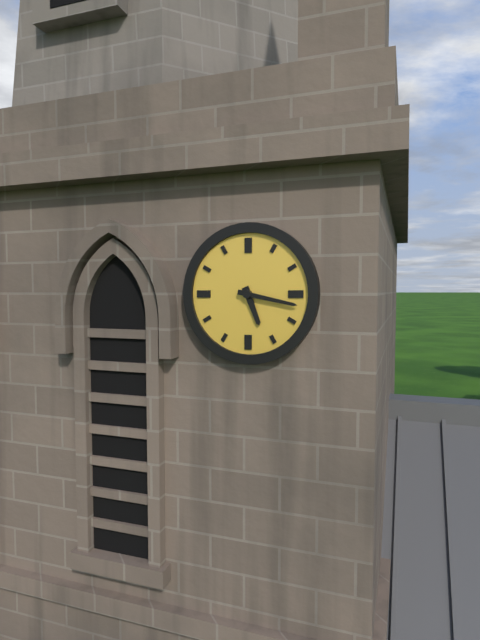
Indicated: 5,17
